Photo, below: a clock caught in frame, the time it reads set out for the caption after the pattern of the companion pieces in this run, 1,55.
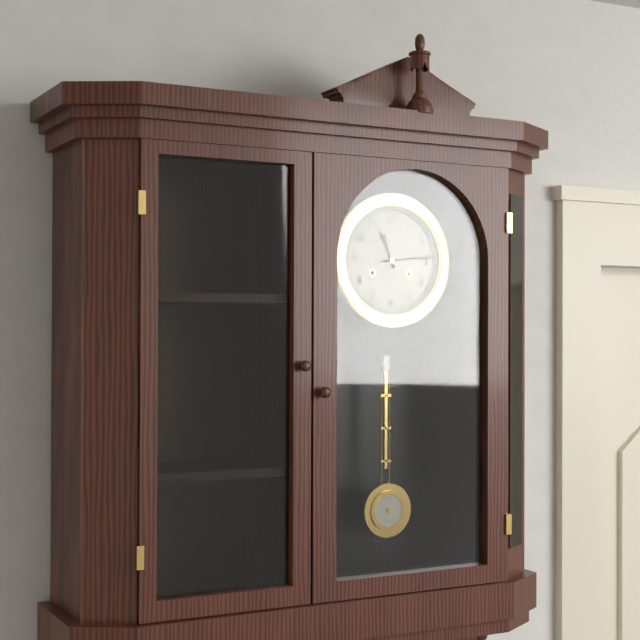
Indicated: 11,14
